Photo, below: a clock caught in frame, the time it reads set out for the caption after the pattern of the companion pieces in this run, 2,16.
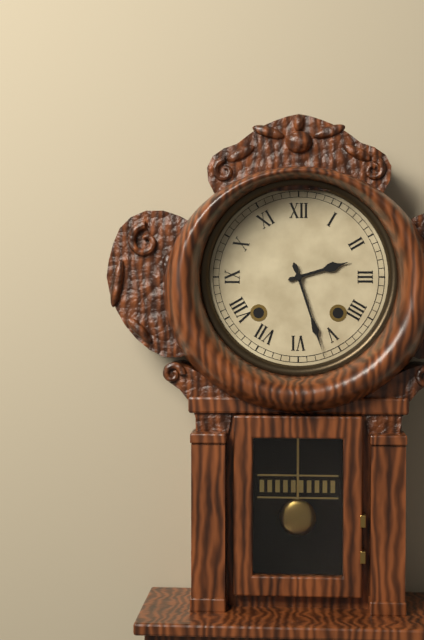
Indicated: 2,27
